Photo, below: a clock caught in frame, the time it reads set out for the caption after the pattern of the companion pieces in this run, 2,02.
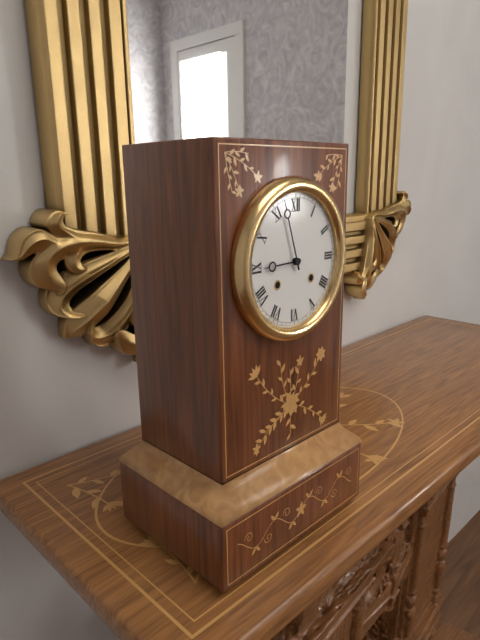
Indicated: 8,57
